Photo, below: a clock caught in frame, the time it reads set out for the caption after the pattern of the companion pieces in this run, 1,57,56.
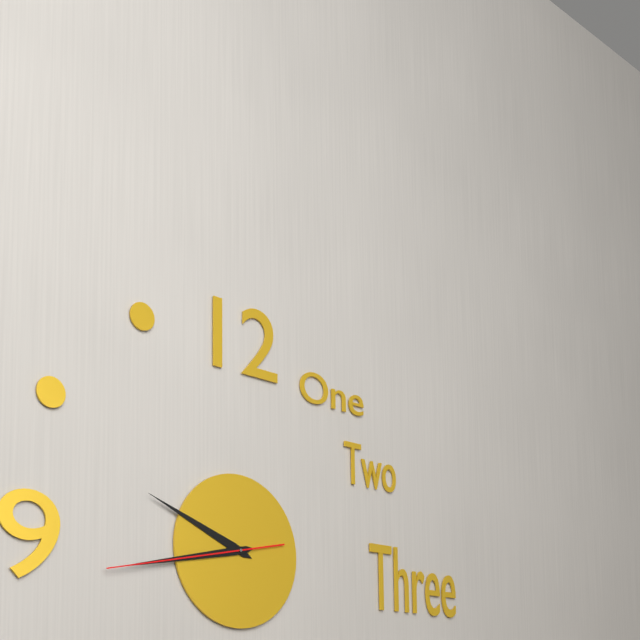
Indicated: 9,43,43
